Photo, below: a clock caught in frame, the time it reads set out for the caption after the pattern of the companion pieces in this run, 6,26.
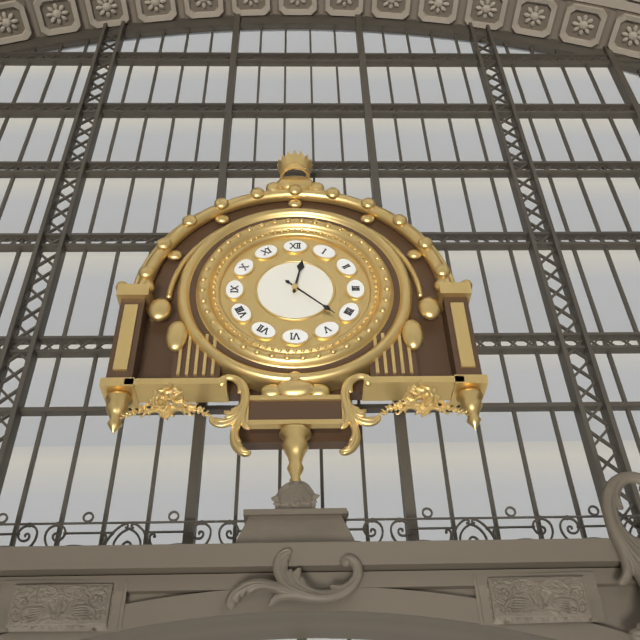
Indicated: 12,22
